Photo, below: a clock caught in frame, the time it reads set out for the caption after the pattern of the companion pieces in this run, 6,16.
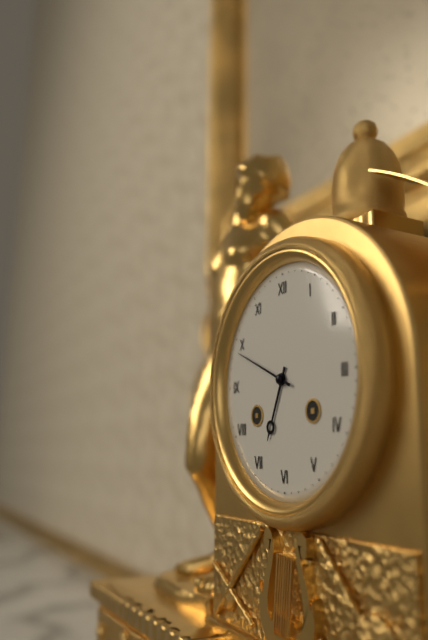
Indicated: 6,49
